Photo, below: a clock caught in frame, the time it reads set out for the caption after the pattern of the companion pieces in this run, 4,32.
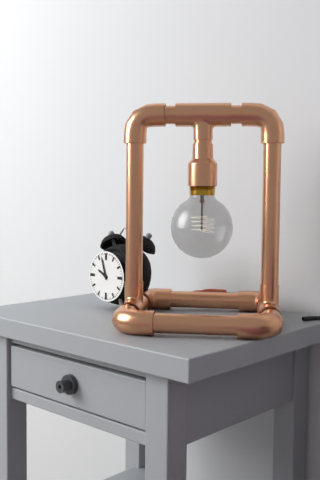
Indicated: 9,57
